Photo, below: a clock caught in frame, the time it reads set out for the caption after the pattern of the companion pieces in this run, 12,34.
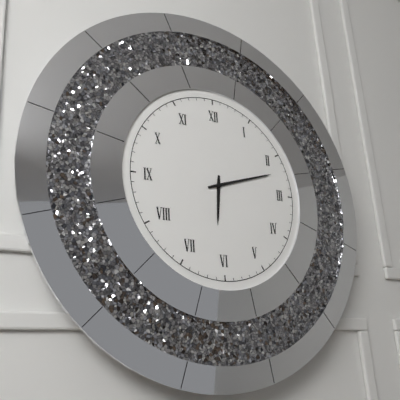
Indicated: 6,12
